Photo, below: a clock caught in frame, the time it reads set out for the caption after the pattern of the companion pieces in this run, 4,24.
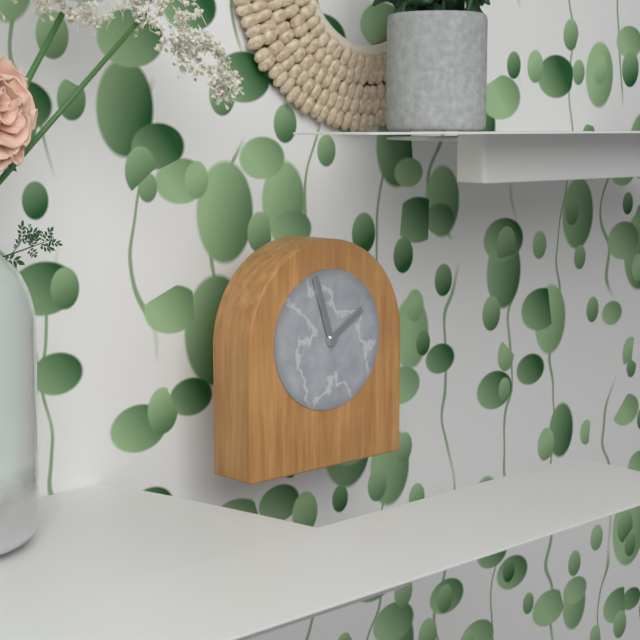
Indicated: 1,57
